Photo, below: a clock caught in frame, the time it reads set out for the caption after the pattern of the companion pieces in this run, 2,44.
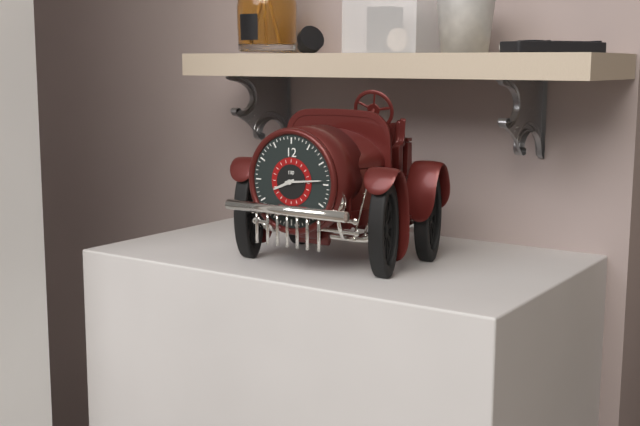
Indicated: 8,14
